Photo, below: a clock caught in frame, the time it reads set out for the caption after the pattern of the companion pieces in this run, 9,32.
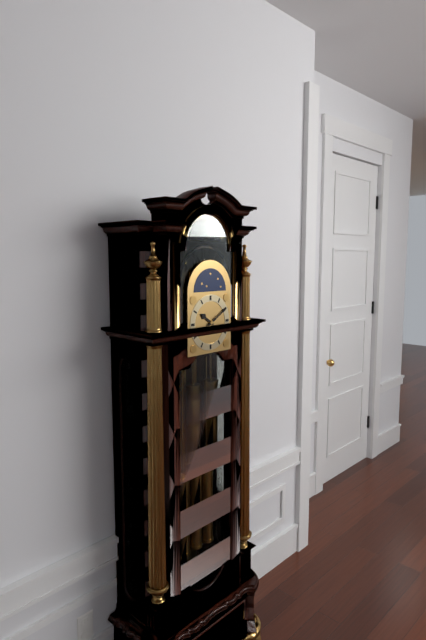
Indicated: 10,10
